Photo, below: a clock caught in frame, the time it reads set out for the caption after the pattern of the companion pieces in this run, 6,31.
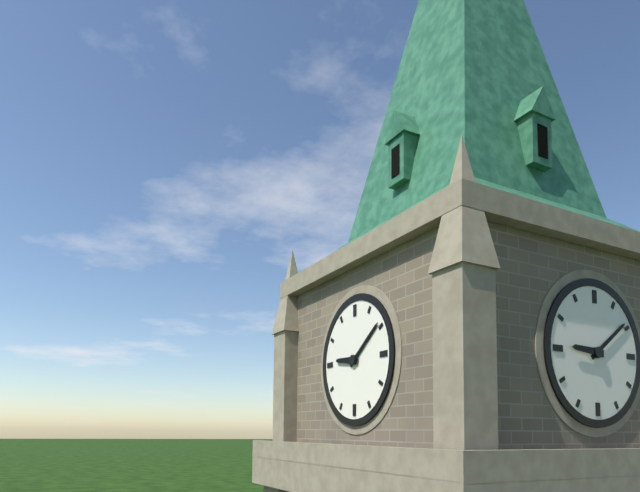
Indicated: 9,09
